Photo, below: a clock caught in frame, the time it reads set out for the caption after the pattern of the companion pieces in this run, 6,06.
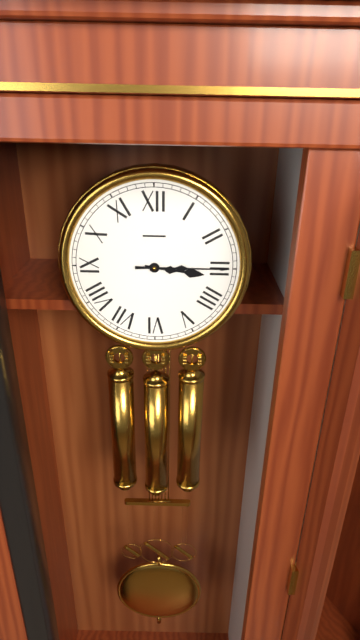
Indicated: 3,15
